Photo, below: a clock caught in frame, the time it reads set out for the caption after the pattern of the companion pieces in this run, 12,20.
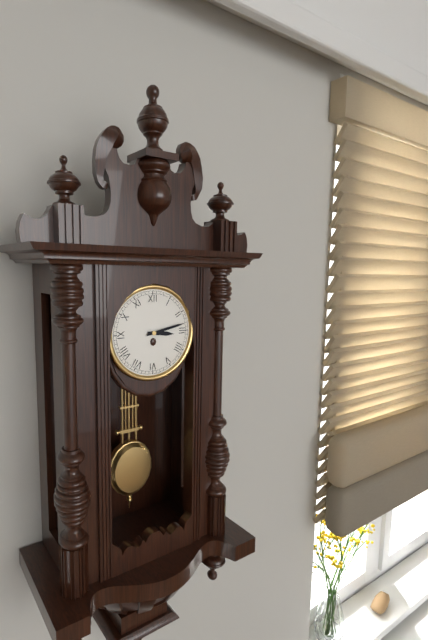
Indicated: 3,13
